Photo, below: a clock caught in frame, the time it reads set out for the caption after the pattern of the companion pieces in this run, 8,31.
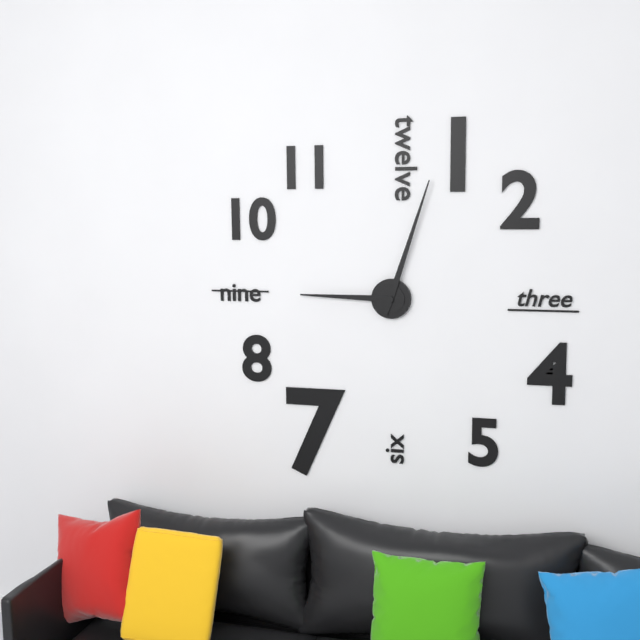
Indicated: 9,03
